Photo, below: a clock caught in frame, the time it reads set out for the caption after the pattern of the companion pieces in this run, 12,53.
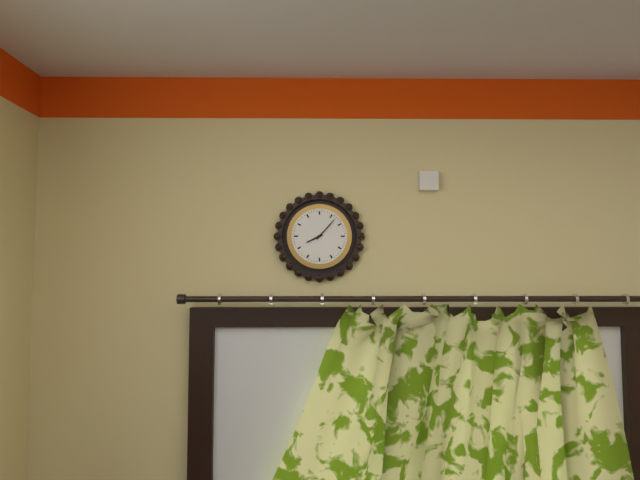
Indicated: 8,07
